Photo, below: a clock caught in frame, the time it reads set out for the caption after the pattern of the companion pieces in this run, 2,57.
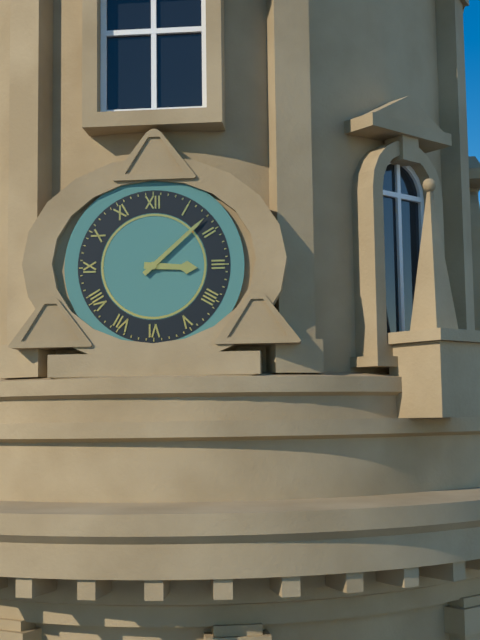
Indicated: 3,08
